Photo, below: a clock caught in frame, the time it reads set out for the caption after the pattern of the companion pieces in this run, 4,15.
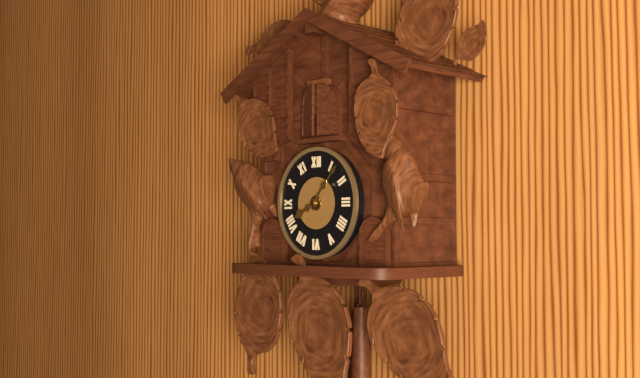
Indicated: 8,07
